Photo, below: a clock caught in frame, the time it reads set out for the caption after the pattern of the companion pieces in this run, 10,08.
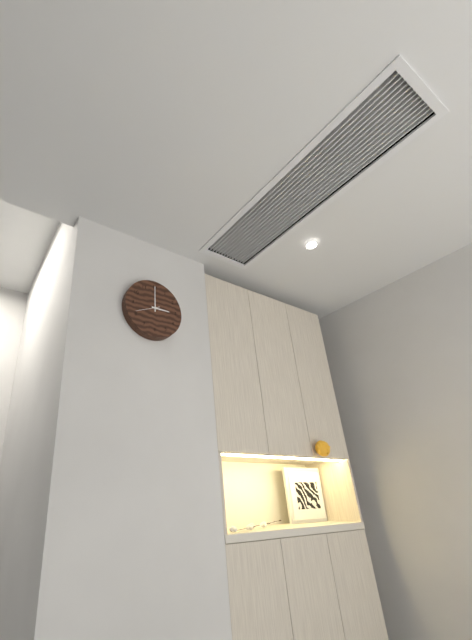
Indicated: 3,00
